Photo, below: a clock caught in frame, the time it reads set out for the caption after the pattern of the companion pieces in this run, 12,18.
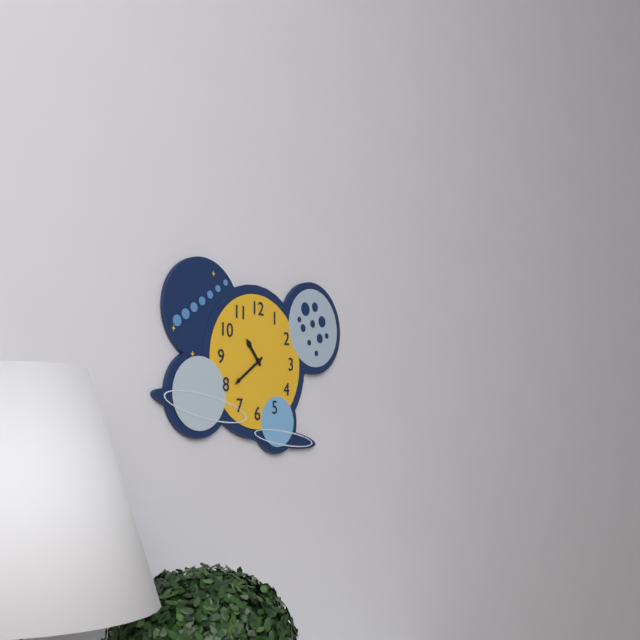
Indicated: 10,39
